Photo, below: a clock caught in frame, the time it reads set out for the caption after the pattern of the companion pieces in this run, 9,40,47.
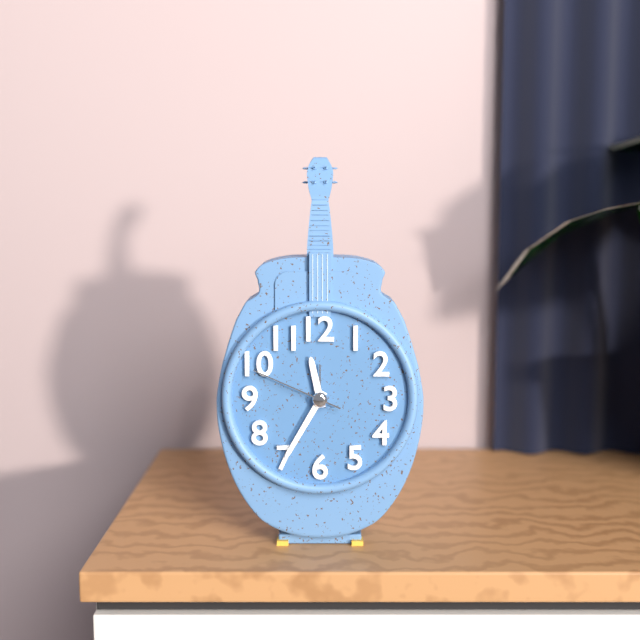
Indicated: 11,35,49
